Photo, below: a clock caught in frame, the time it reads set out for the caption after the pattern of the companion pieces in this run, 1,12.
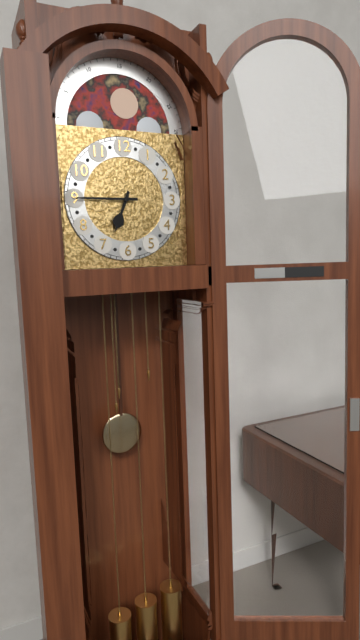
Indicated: 6,45
